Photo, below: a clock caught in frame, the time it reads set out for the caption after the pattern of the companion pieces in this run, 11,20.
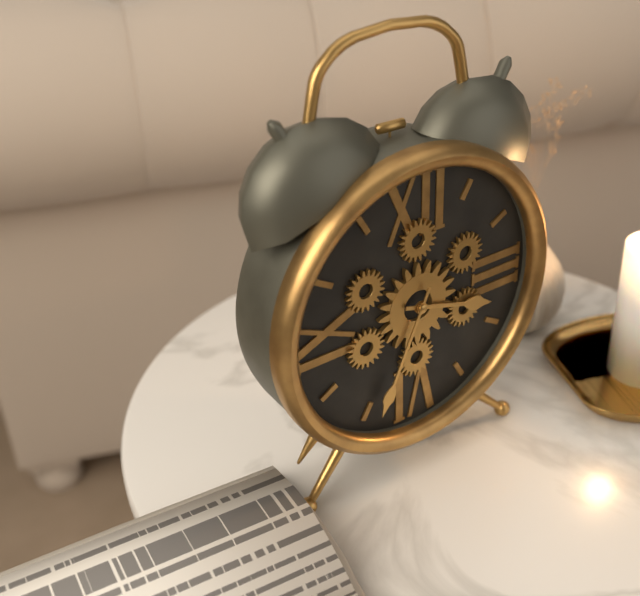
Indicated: 3,34
